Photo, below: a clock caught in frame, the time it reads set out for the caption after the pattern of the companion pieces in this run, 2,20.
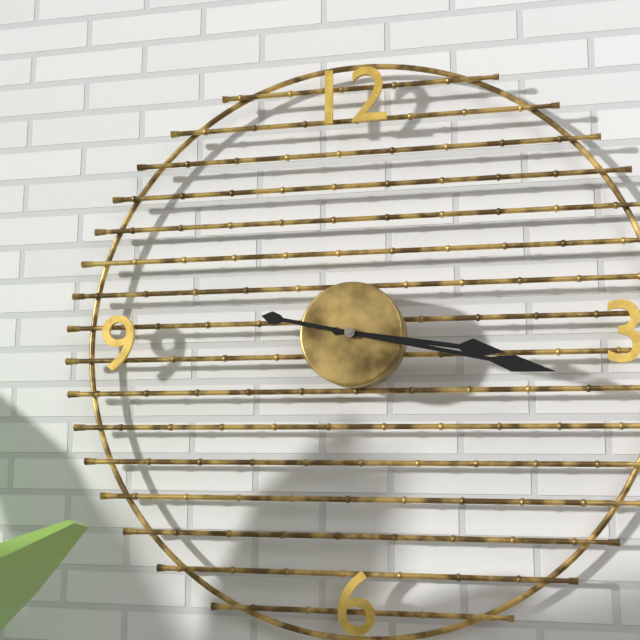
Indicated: 3,17
